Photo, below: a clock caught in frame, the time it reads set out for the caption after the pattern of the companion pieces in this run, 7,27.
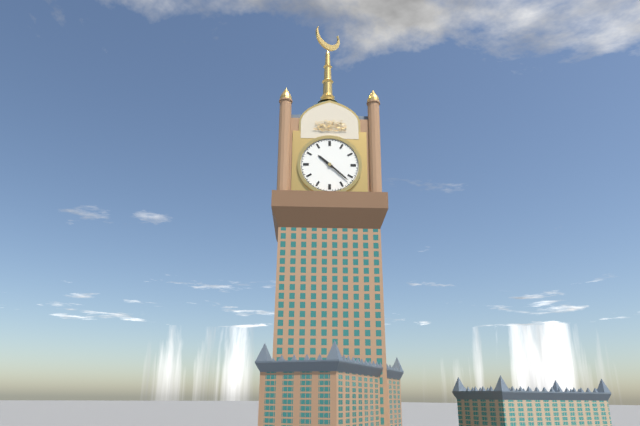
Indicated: 10,22
